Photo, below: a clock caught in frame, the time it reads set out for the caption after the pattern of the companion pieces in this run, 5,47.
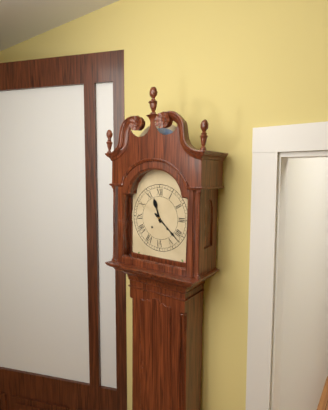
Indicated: 11,22
